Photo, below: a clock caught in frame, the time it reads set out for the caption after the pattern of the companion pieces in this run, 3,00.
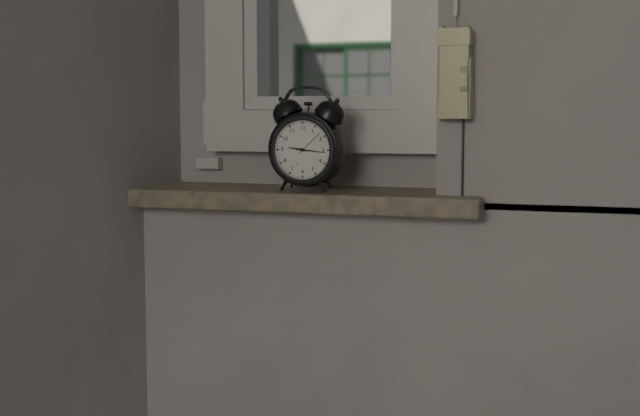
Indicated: 9,16
